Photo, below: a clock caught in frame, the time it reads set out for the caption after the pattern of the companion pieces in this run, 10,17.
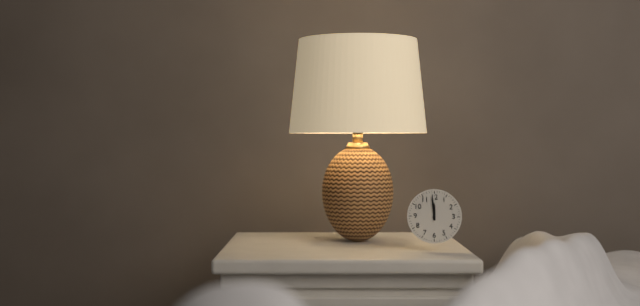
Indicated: 11,59
